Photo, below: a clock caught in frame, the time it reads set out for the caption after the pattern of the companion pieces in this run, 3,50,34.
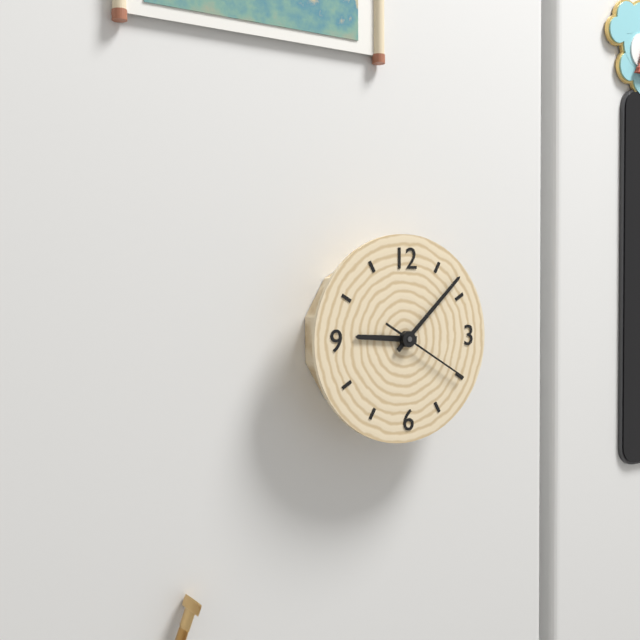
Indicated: 9,08,20
